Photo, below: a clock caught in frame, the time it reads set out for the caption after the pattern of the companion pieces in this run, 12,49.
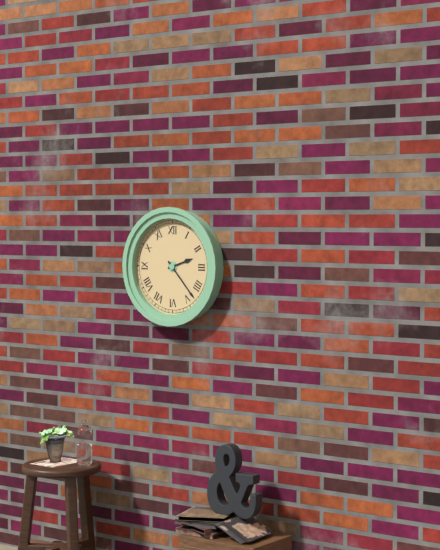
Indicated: 2,23
